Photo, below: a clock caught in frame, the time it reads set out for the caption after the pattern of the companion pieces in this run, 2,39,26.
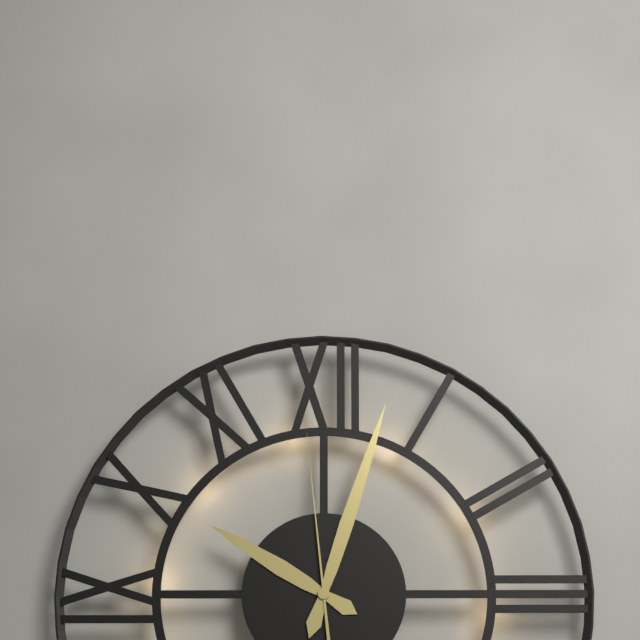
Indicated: 10,03,59
